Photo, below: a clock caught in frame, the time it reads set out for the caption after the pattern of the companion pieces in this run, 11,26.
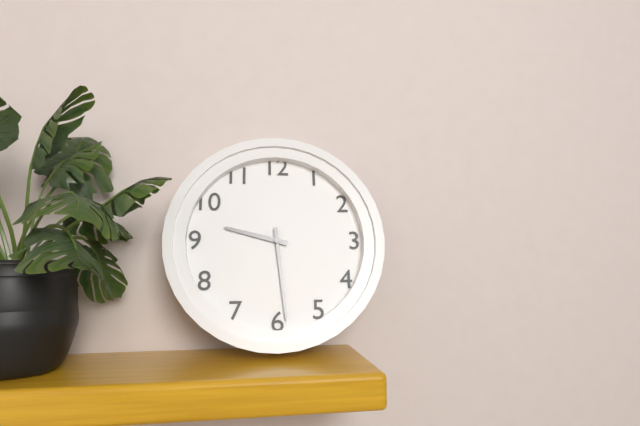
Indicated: 9,29
